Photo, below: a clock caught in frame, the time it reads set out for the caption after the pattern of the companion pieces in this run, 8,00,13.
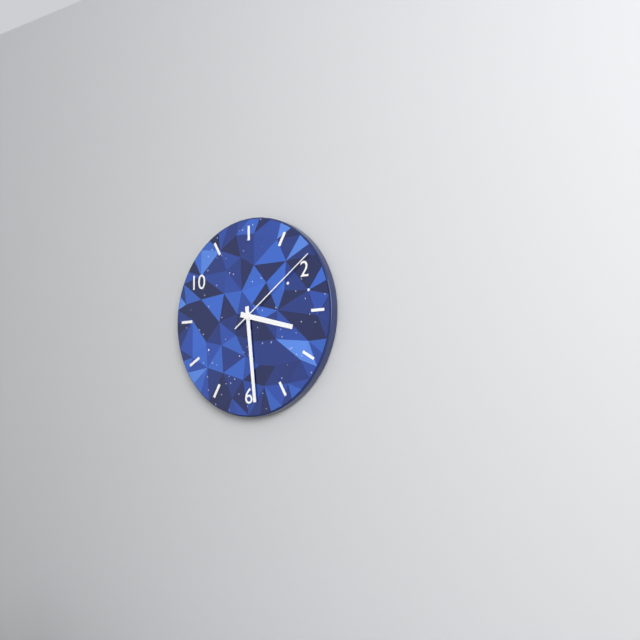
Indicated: 3,29,09
